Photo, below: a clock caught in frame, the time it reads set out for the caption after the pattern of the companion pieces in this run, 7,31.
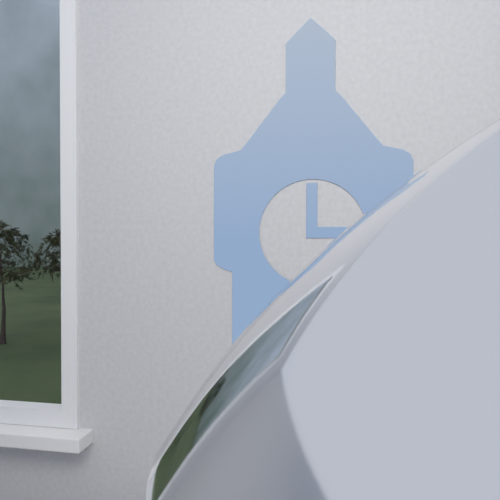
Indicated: 3,00
